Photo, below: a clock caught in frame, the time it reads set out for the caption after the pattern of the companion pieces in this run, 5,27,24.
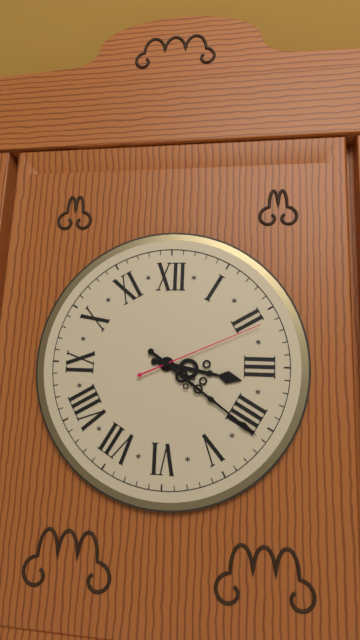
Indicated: 3,21,11
